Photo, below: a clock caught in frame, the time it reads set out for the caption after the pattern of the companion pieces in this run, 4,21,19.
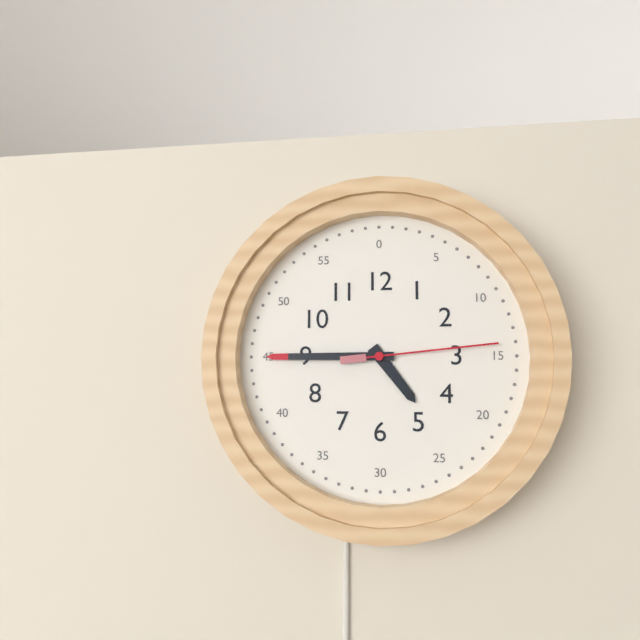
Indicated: 4,45,14
